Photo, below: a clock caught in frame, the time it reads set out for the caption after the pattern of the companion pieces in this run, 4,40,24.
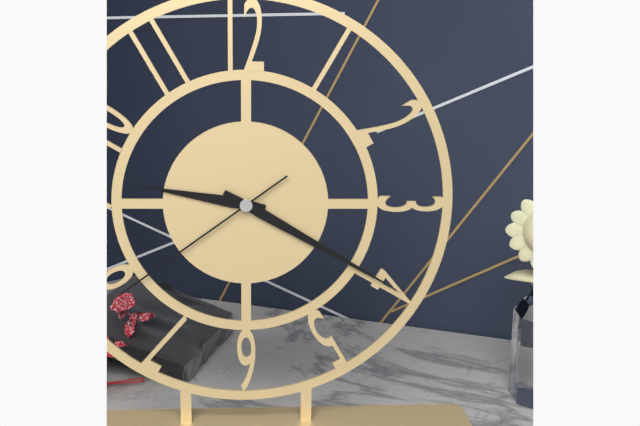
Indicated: 9,20,39
